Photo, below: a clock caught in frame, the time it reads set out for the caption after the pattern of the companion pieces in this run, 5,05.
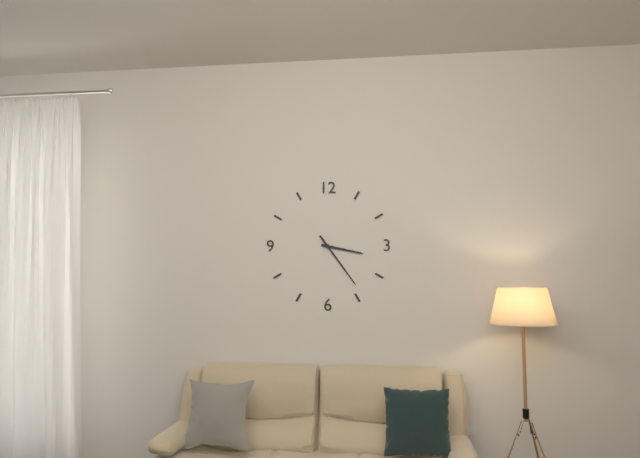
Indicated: 3,24
